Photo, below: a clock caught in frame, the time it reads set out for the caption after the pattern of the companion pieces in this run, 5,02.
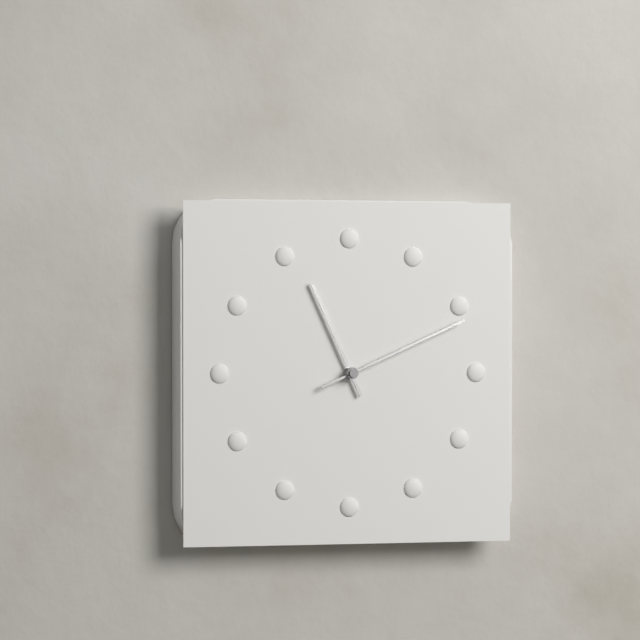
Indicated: 11,11
